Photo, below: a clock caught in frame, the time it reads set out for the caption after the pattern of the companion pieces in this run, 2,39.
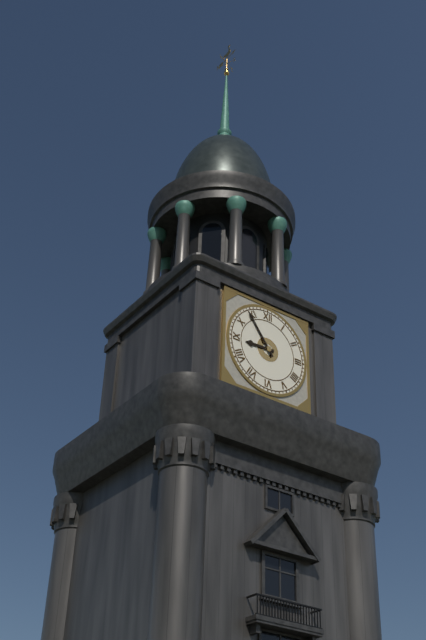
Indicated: 8,54
